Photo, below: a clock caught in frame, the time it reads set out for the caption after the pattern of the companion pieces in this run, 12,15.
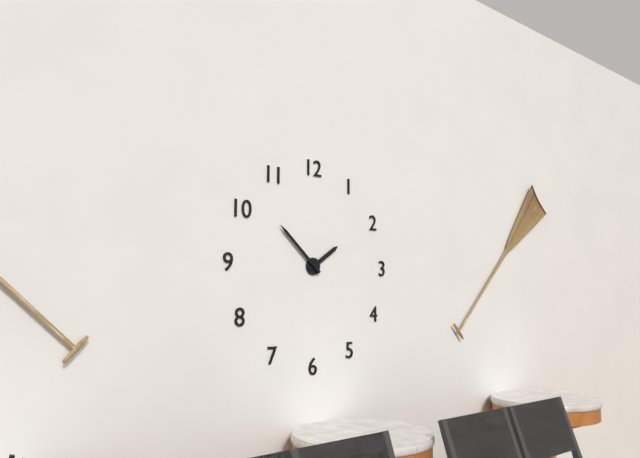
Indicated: 1,52
